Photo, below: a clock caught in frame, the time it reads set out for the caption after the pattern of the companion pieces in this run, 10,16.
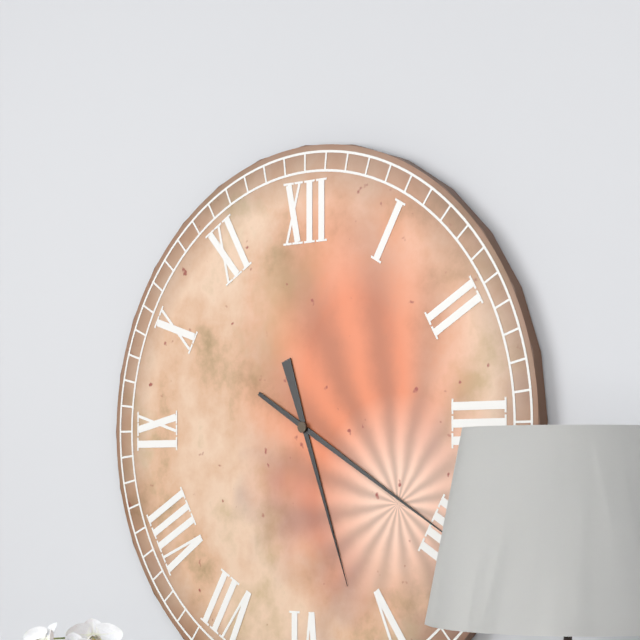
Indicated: 5,20
